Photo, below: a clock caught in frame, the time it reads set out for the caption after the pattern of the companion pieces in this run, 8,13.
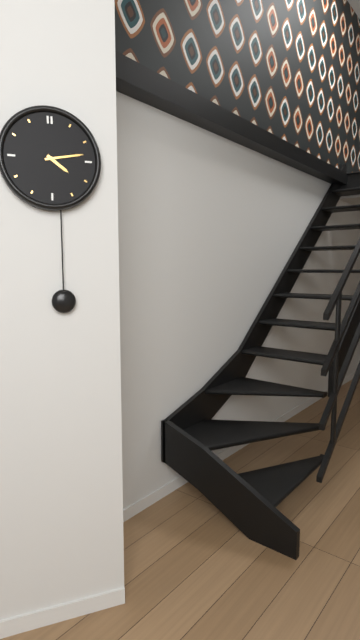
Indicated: 4,13
